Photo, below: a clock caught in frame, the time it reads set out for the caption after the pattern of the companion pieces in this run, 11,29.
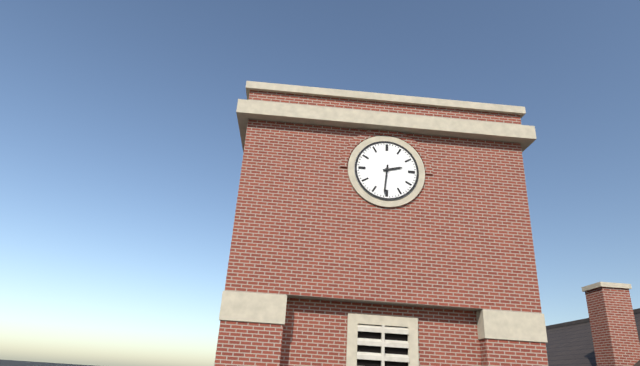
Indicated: 2,31
